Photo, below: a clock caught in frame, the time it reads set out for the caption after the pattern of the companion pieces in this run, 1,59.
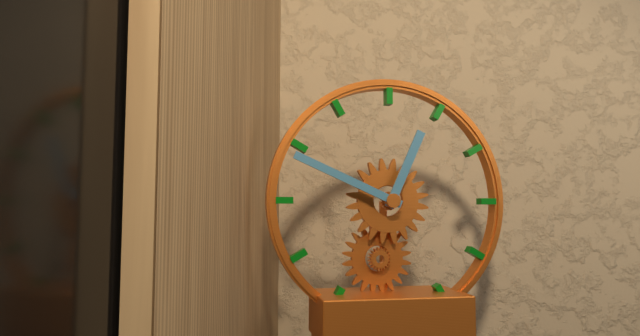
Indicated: 12,49
